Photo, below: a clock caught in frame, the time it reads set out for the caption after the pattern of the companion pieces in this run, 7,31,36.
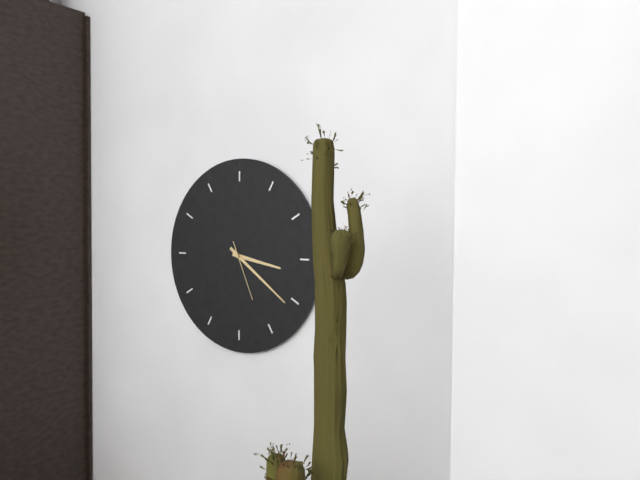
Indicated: 3,21,26
